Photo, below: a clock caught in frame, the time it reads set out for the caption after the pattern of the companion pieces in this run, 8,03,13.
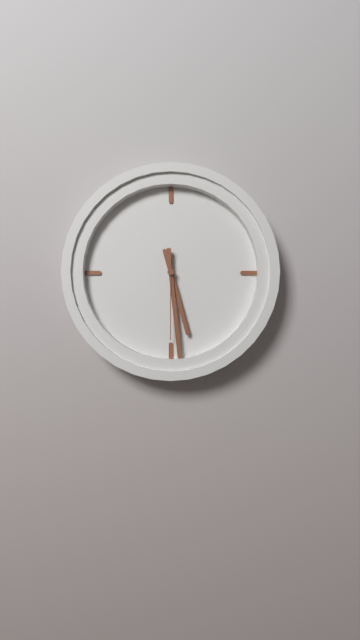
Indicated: 5,29,30
